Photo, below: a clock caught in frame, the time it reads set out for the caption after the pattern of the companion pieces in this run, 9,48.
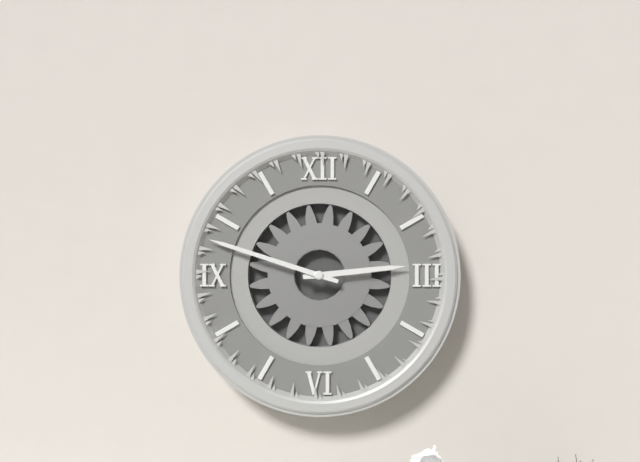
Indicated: 2,48
